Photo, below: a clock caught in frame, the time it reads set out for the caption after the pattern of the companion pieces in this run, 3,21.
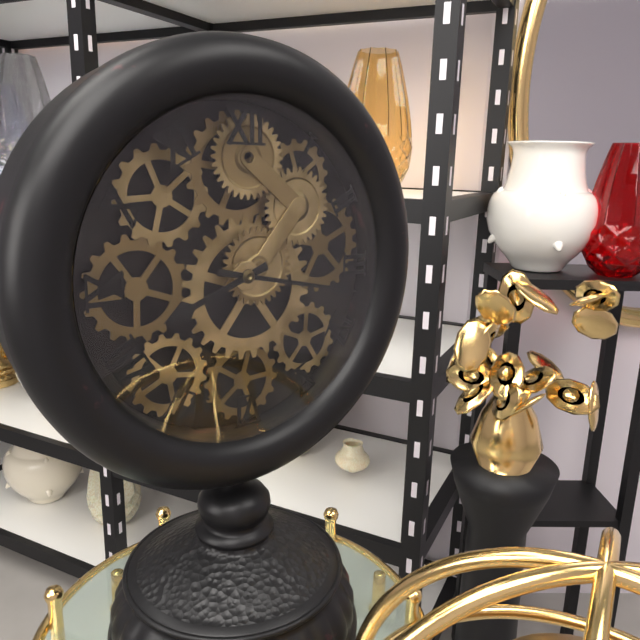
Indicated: 8,17
